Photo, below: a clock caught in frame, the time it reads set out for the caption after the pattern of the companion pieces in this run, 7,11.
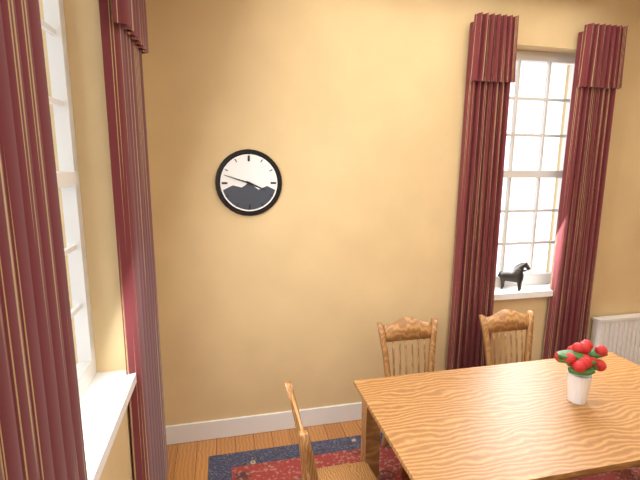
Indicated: 3,48
